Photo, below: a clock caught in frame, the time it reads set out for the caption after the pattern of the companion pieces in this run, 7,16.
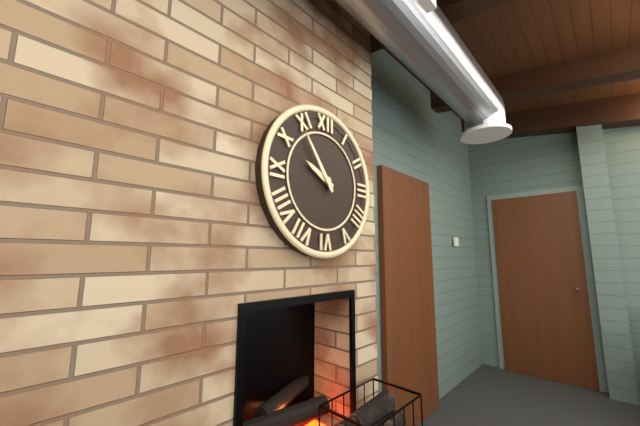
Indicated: 9,54
